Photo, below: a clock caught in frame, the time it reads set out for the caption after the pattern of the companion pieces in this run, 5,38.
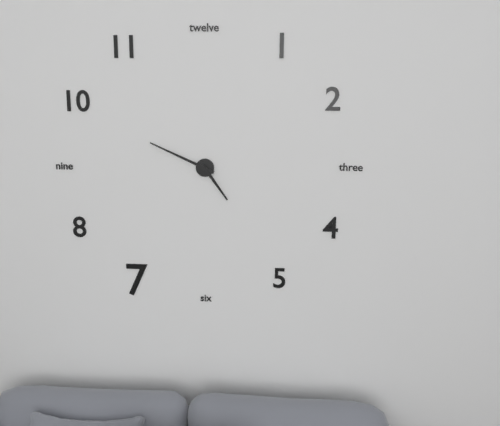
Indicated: 4,49
